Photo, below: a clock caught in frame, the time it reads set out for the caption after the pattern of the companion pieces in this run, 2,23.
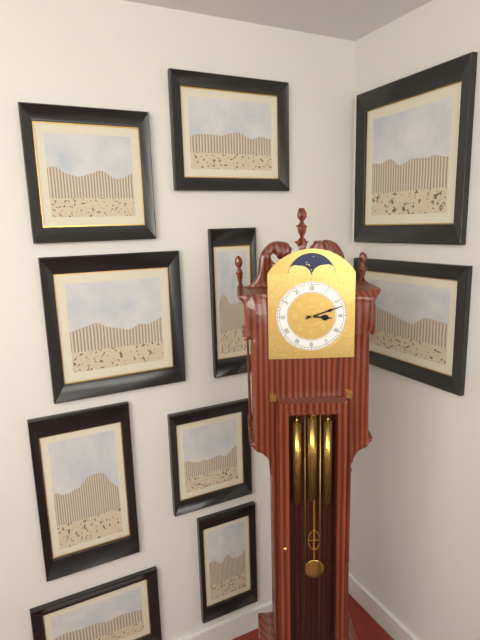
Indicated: 3,12
